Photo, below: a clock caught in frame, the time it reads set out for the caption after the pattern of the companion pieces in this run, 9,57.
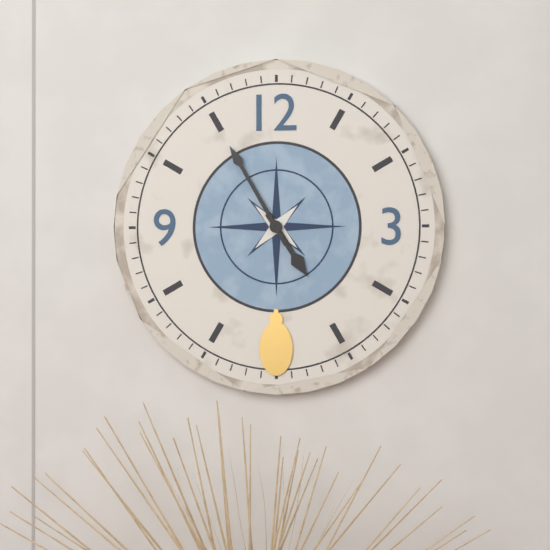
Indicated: 4,55
